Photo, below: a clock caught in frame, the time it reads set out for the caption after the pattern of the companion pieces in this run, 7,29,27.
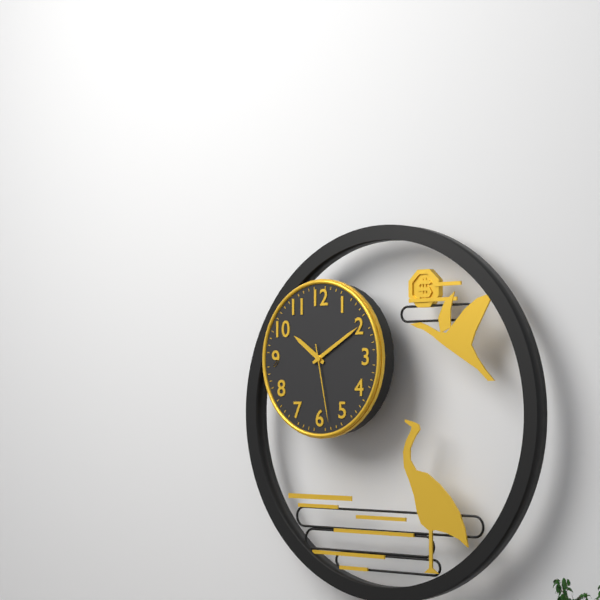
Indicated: 10,10,28
